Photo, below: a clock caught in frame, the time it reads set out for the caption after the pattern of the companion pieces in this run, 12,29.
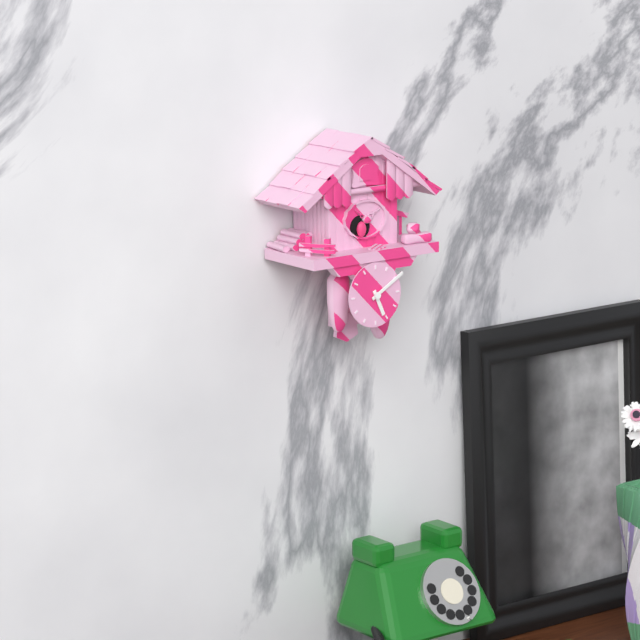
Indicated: 5,10
